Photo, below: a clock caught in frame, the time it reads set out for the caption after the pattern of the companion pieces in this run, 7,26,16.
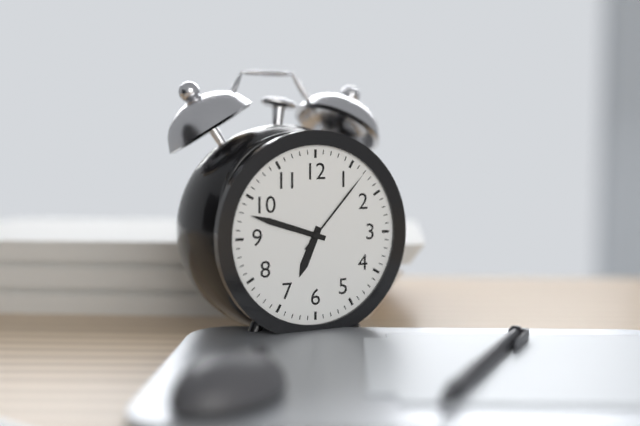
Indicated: 6,48,07
